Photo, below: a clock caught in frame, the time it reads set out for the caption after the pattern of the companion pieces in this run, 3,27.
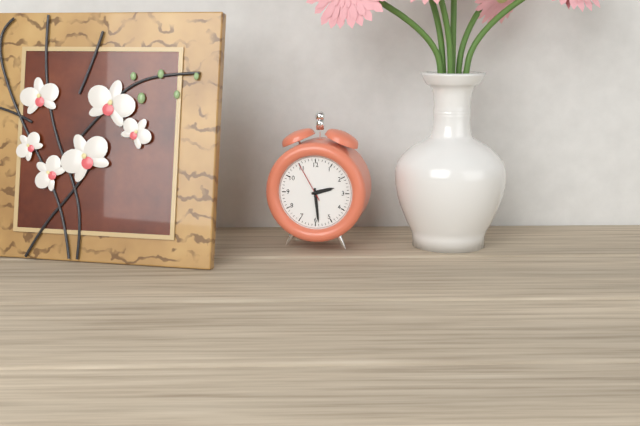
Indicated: 2,29
